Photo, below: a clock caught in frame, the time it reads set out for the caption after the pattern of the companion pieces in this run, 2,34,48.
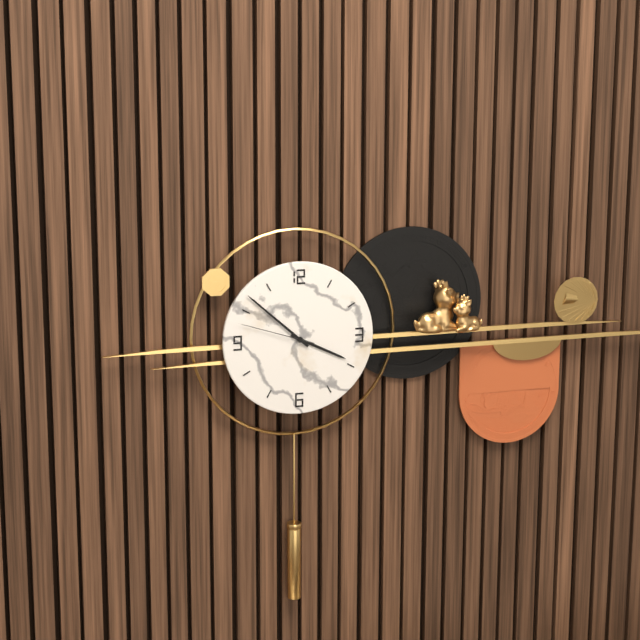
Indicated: 3,52,48
